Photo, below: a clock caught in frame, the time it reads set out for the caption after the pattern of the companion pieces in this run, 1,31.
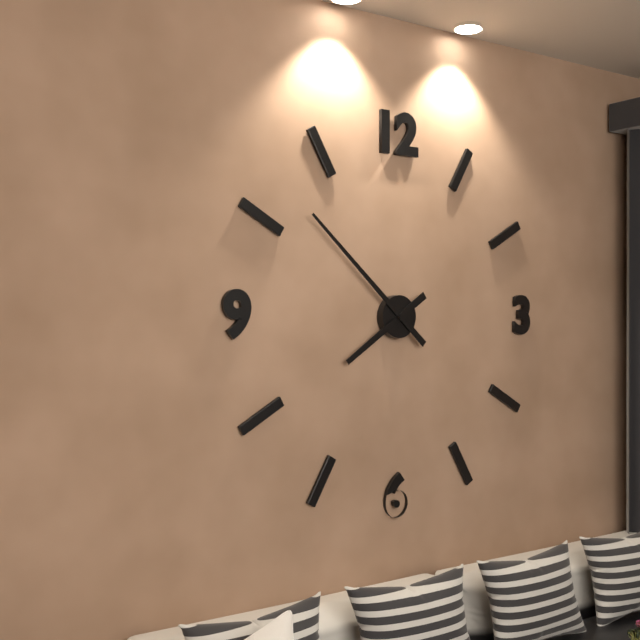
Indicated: 7,52
